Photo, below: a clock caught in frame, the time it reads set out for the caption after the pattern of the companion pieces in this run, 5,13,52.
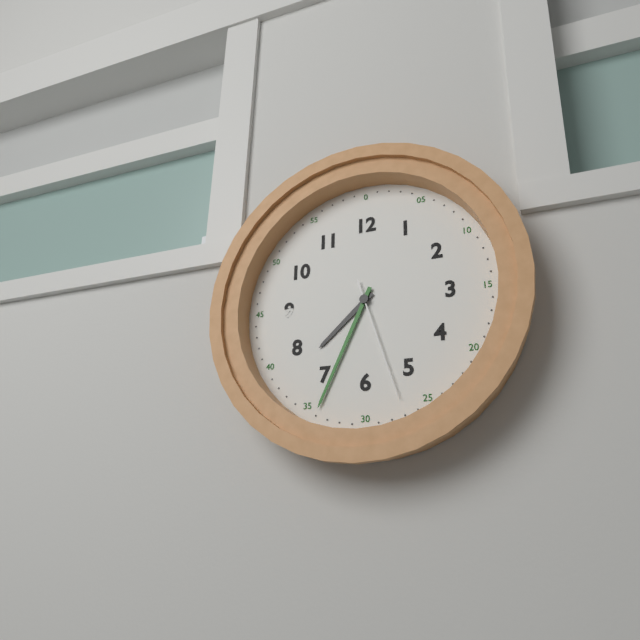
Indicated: 7,34,27
